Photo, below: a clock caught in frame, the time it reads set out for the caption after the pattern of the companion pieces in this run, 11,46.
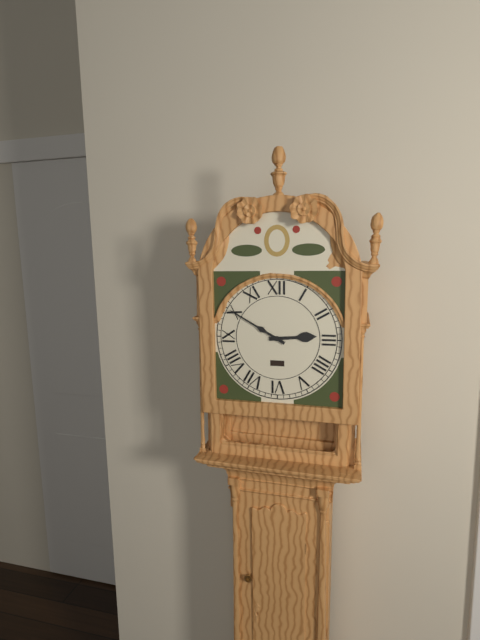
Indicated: 2,50
